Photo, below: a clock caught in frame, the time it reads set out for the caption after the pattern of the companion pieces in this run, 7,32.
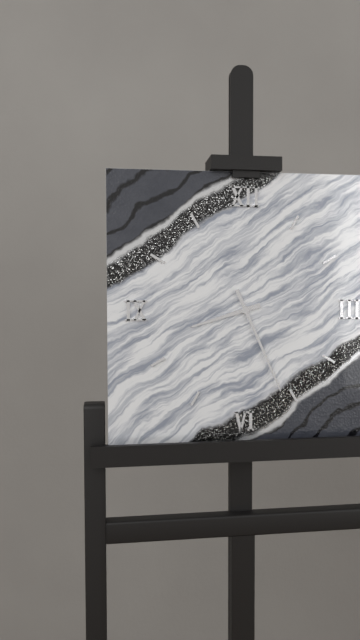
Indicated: 8,26
